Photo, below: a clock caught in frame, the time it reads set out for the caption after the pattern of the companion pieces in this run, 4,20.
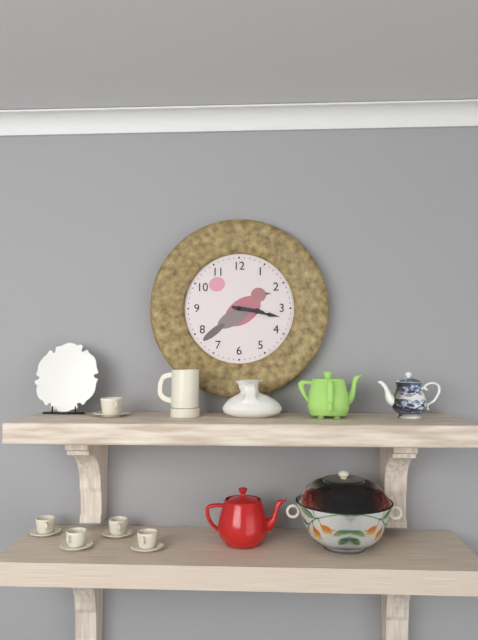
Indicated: 3,17
